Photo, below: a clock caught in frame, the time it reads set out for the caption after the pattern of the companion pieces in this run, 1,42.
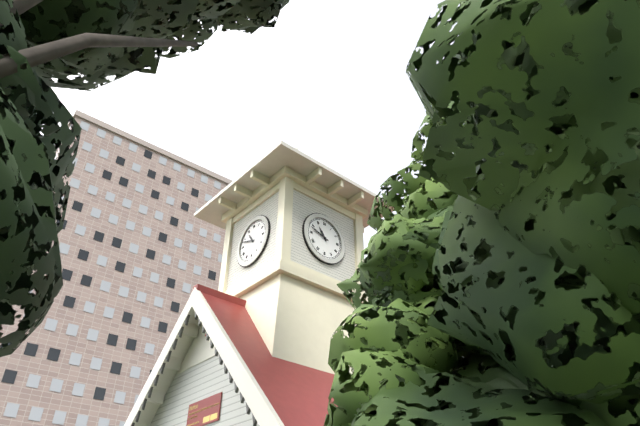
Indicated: 10,48
